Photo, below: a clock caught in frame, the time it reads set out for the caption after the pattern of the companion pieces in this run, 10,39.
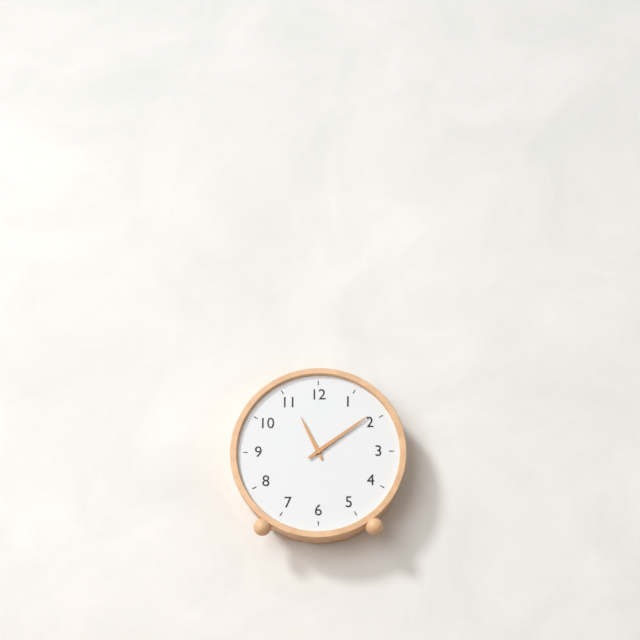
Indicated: 11,09
